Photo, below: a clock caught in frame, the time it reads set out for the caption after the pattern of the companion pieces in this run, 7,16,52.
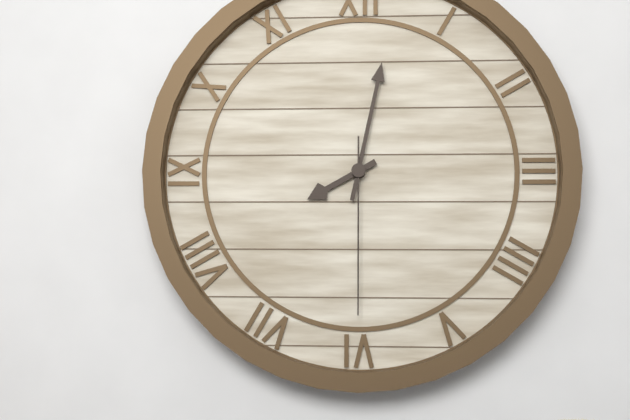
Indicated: 8,02,30
